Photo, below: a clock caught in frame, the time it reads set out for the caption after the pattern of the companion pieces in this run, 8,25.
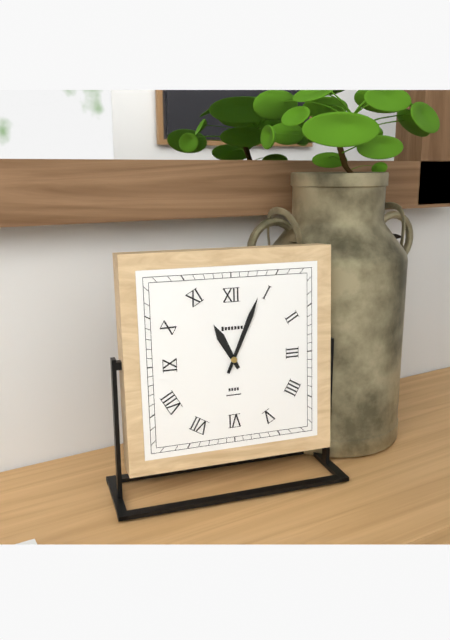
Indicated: 11,04
